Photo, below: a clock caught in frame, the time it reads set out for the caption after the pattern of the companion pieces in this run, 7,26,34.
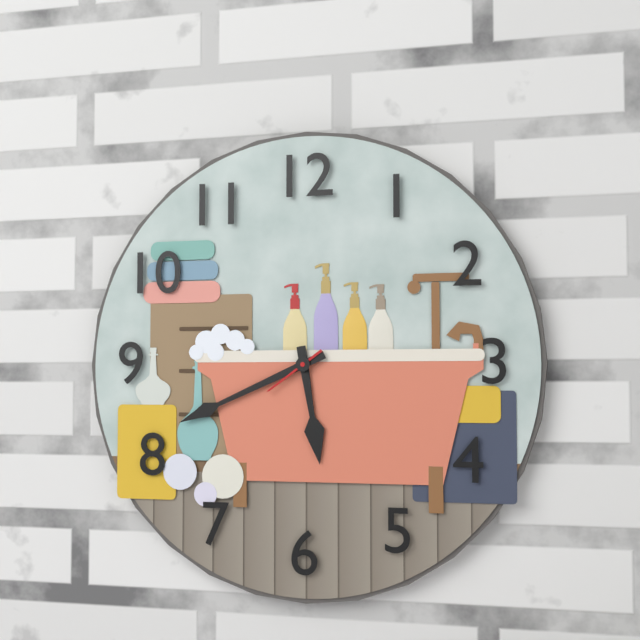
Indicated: 5,41,39
